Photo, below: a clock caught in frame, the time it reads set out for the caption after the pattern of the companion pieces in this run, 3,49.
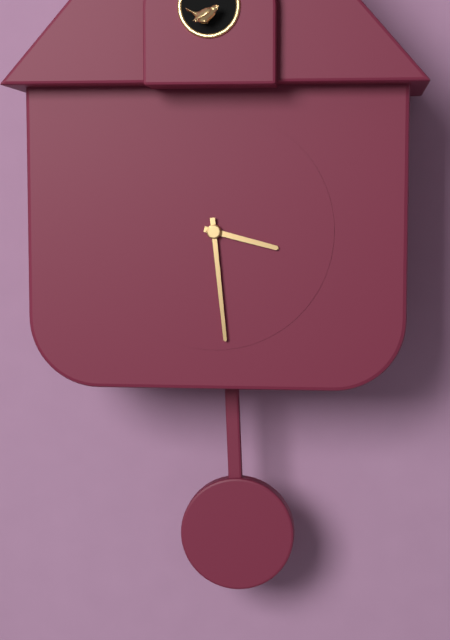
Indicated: 3,29
